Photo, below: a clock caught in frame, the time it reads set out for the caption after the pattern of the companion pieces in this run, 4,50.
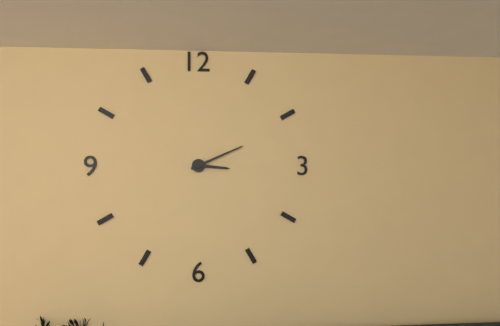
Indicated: 3,11
